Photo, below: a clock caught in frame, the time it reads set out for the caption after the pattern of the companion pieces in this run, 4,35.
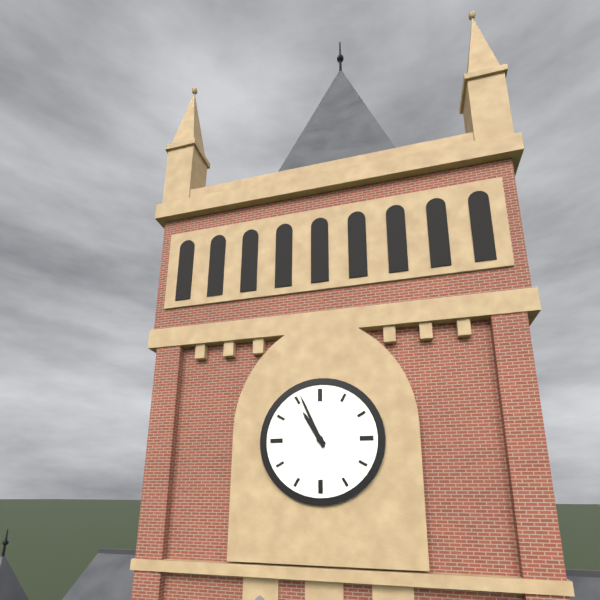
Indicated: 10,56
